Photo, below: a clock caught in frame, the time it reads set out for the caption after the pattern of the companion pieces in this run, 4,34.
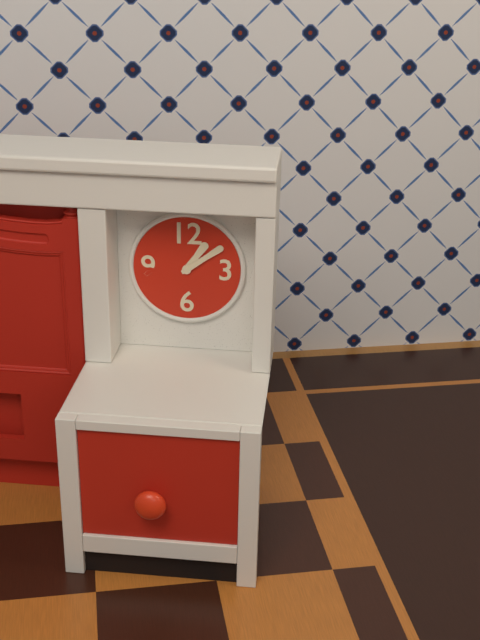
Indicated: 1,09
